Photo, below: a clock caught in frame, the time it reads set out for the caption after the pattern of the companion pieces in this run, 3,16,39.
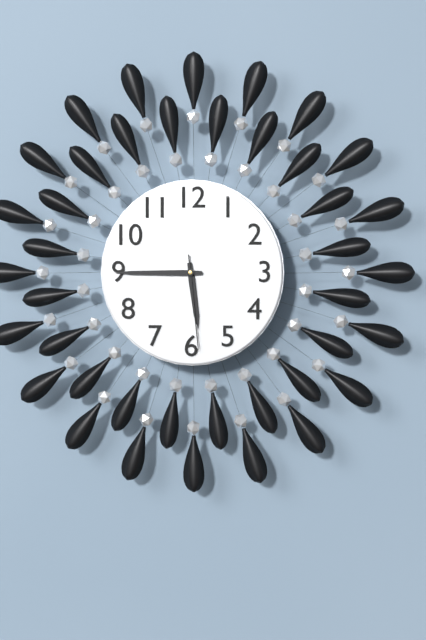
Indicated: 5,45,29
